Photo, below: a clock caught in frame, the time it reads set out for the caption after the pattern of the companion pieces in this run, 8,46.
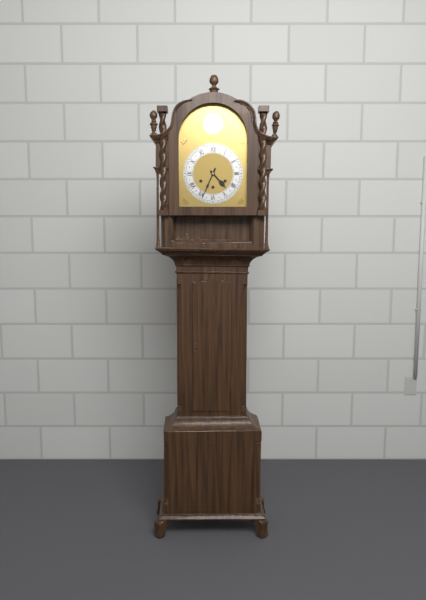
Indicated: 4,34
